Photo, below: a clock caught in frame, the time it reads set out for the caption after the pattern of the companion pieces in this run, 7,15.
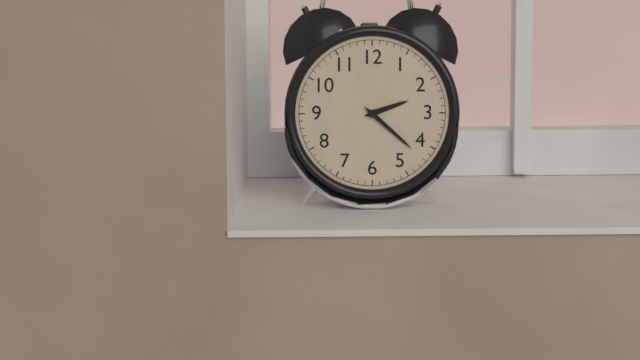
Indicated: 2,22
